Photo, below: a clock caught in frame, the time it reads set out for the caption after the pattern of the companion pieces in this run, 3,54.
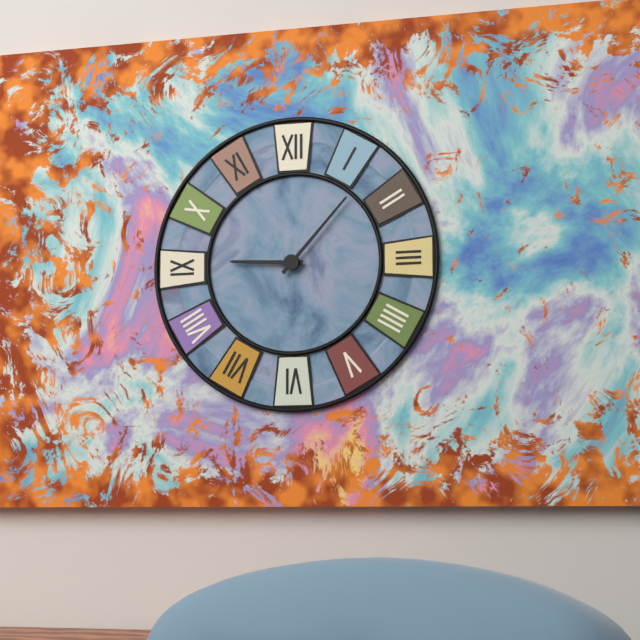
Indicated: 9,07
